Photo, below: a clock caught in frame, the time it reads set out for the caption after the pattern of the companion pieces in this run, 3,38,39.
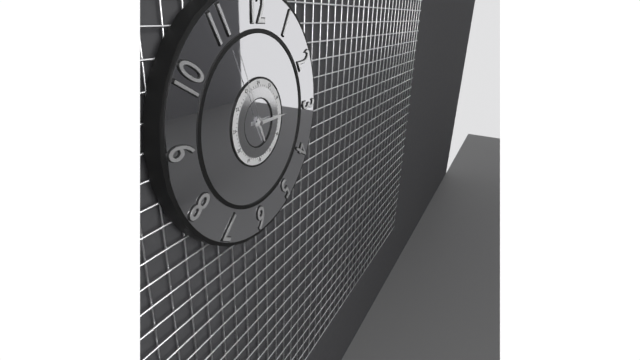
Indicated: 5,15,56
